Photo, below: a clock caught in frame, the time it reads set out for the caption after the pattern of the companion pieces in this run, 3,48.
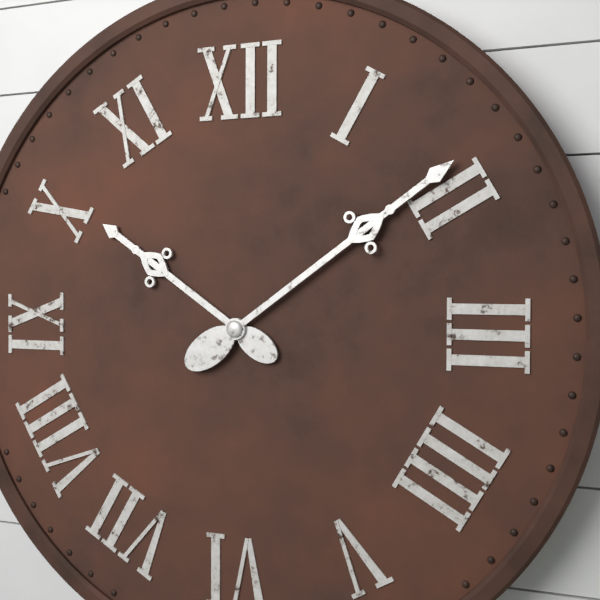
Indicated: 10,09
